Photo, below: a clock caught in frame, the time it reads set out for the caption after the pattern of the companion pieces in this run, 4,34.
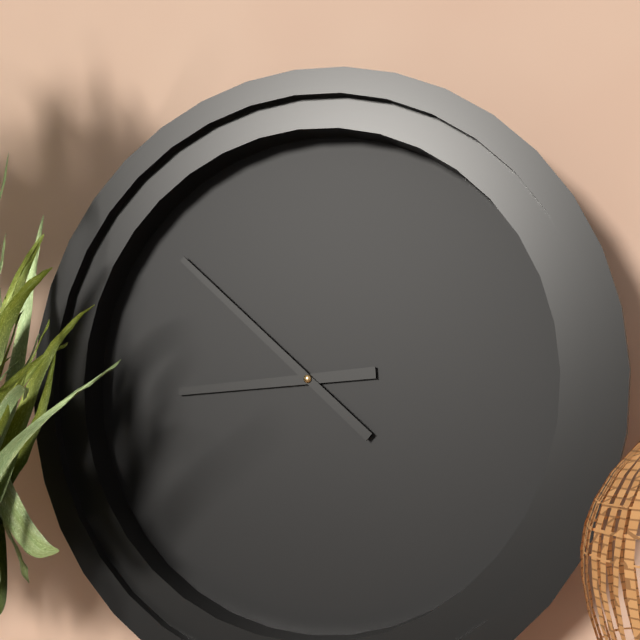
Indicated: 8,52
